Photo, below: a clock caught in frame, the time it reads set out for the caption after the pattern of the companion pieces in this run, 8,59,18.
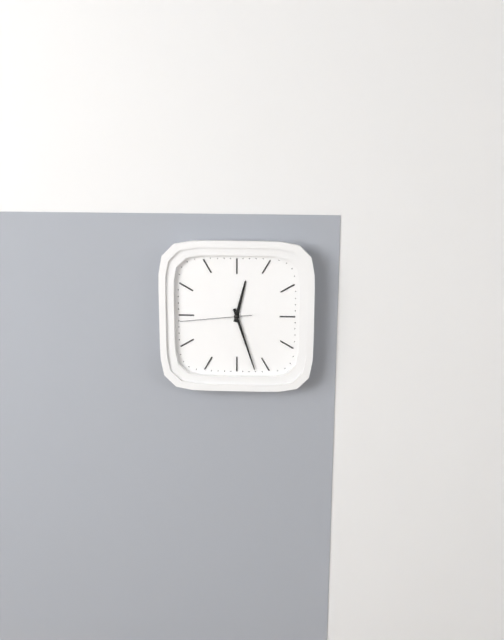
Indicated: 12,27,44
